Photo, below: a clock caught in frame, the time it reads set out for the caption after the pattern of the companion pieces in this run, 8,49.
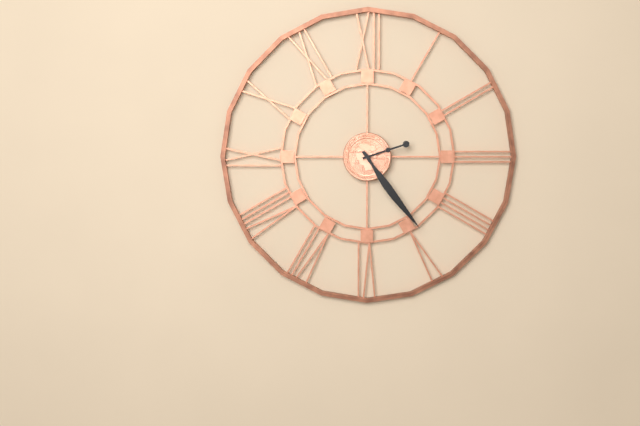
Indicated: 2,24
